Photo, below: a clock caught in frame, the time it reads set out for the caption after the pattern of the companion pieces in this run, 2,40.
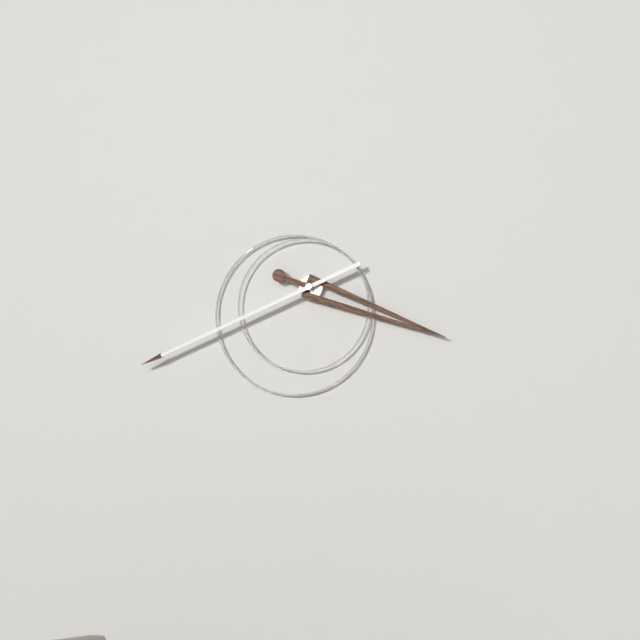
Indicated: 3,41
